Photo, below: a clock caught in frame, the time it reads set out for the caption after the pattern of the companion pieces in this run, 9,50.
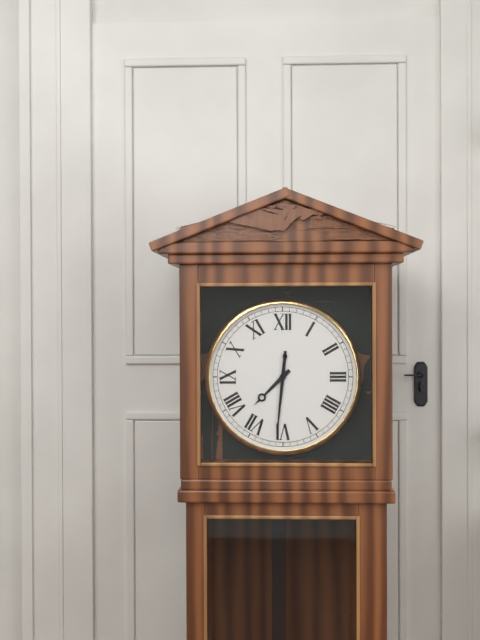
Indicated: 7,31
